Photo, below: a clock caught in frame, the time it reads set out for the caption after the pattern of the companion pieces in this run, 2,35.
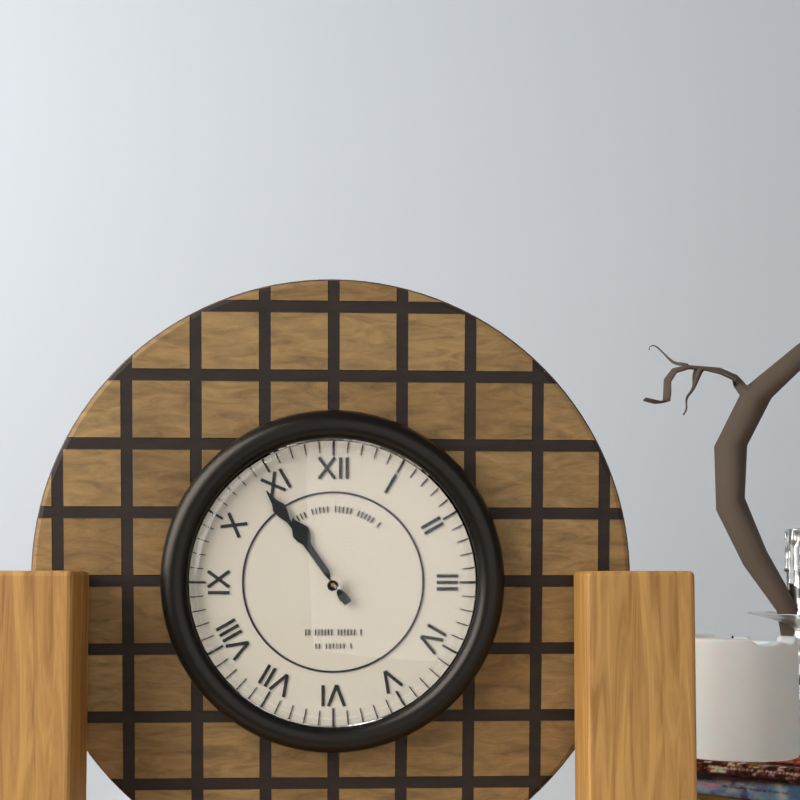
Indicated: 10,54
